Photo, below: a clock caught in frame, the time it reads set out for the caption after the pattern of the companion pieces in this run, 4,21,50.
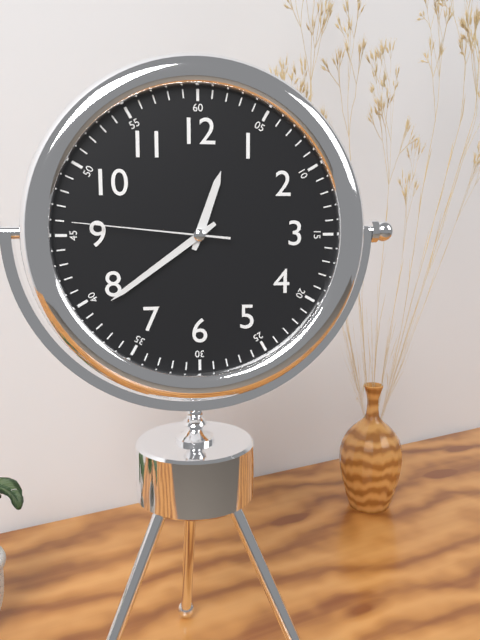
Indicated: 12,39,46
